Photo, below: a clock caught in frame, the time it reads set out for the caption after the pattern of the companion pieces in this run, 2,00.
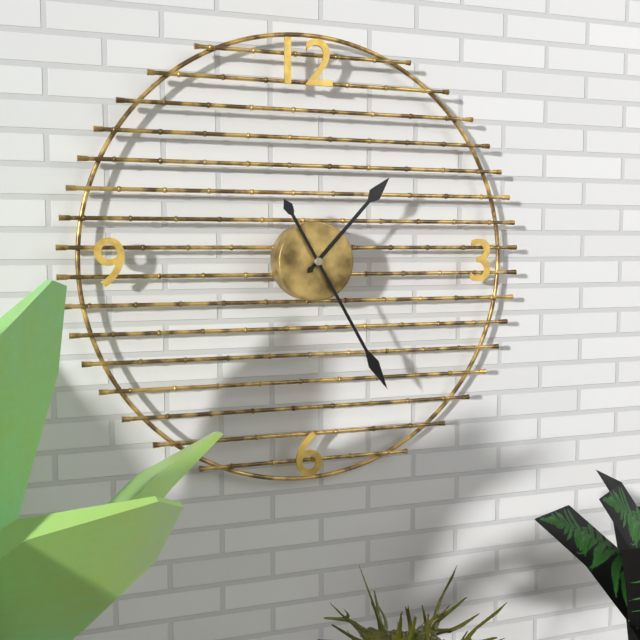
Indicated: 1,25
